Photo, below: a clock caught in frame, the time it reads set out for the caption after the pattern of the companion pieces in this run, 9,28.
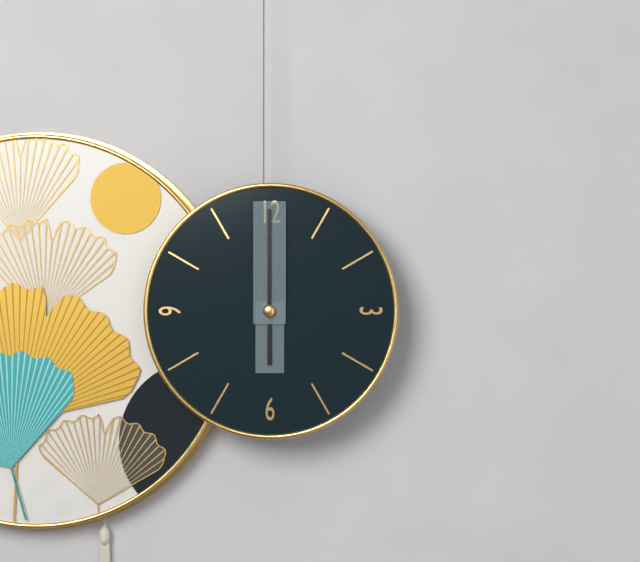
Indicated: 6,00
